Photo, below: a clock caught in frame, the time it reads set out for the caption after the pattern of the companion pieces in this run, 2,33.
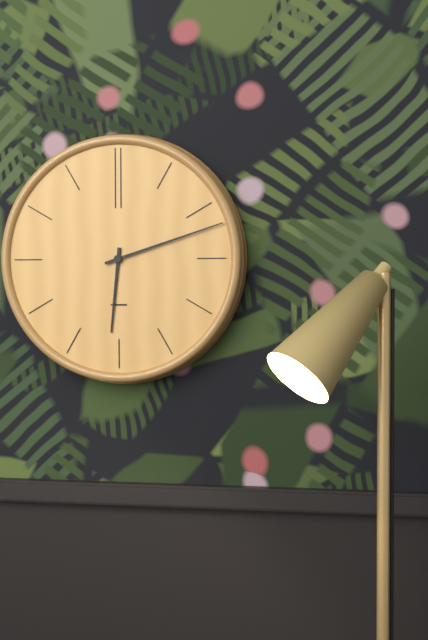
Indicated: 6,12
